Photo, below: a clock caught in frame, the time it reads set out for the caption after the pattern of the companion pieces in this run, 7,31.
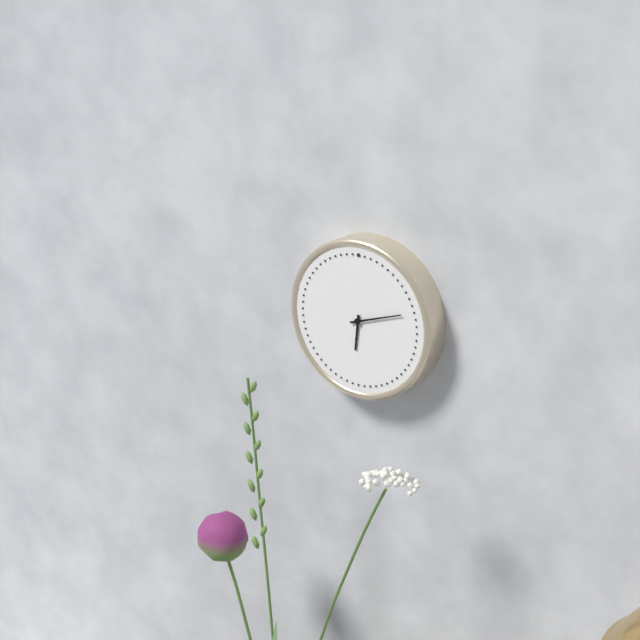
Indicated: 6,12
